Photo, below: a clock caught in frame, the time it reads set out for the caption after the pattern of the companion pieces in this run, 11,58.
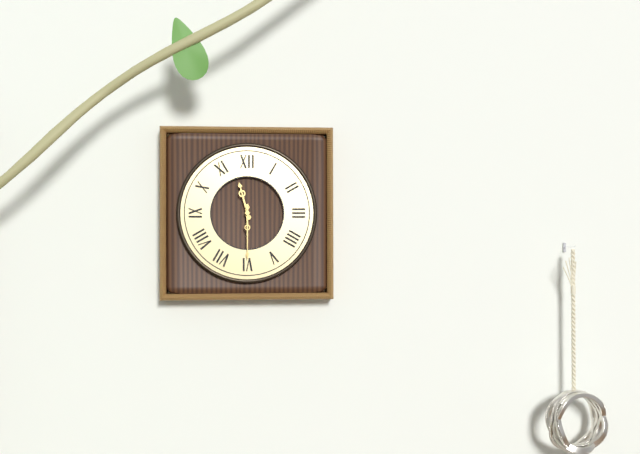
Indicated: 11,30
